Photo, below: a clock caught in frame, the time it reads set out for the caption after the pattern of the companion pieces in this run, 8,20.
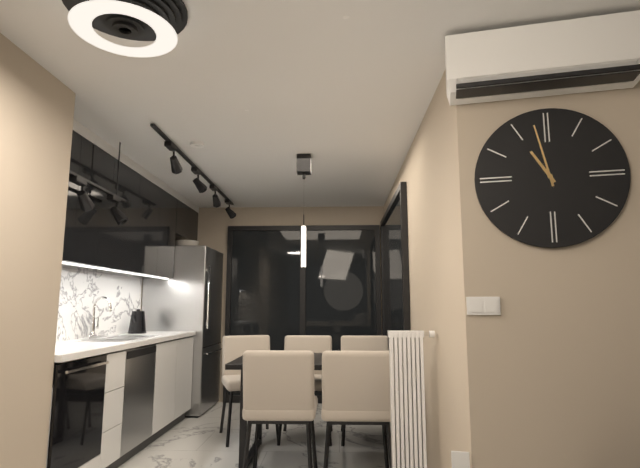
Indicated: 10,58
